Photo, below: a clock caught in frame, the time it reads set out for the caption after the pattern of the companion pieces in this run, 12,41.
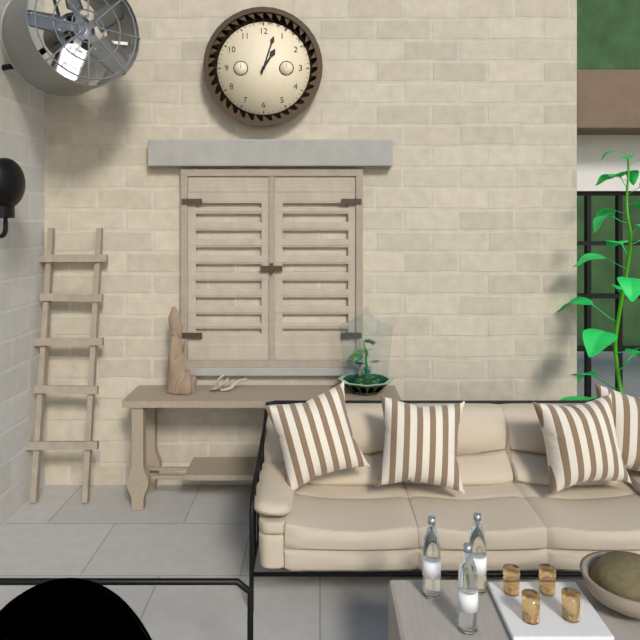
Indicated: 1,03
